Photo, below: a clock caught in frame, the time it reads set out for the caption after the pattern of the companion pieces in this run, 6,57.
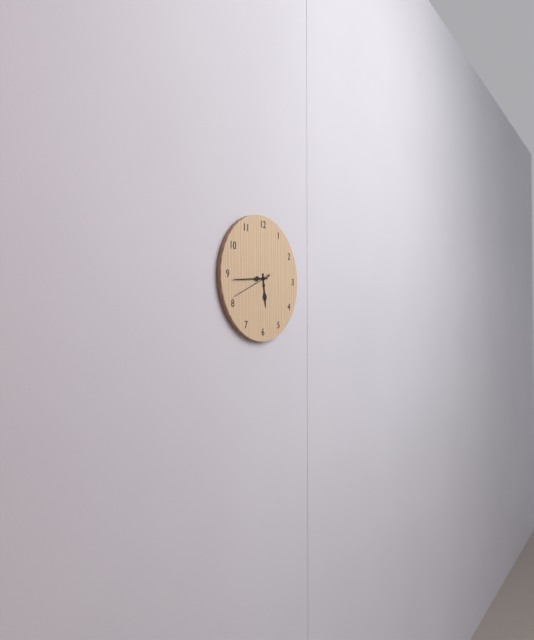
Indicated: 5,44
